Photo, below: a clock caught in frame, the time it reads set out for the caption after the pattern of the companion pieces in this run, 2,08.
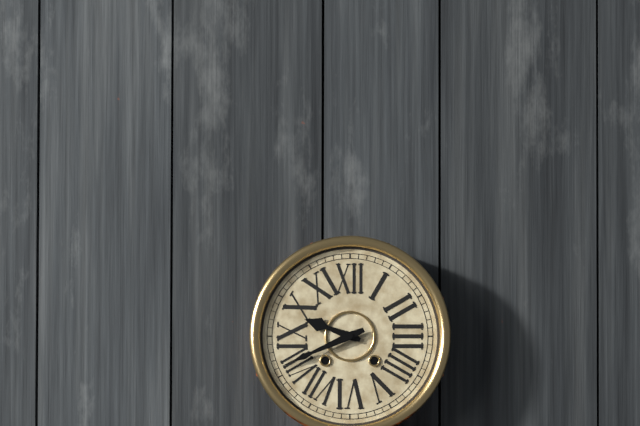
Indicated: 9,41
